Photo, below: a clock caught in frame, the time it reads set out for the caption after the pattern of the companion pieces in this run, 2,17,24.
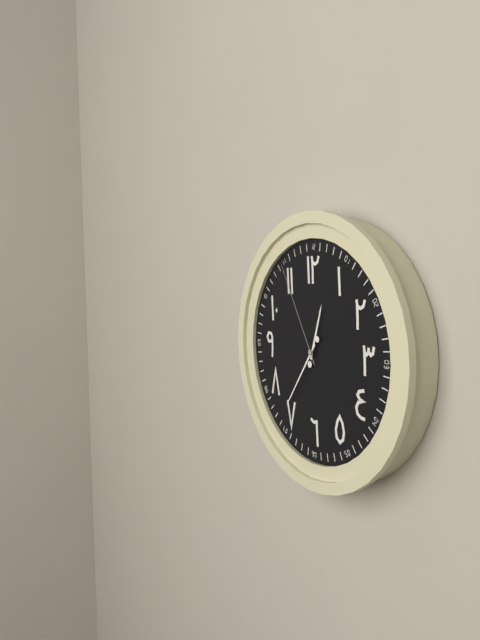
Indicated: 12,36,55
